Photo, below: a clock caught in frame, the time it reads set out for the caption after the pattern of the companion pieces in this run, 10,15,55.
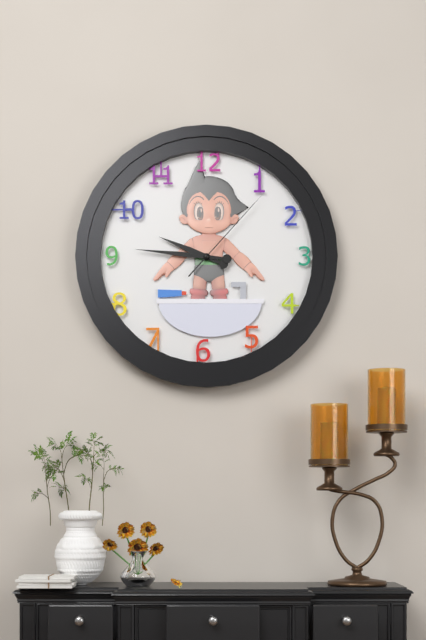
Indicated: 9,46,07
